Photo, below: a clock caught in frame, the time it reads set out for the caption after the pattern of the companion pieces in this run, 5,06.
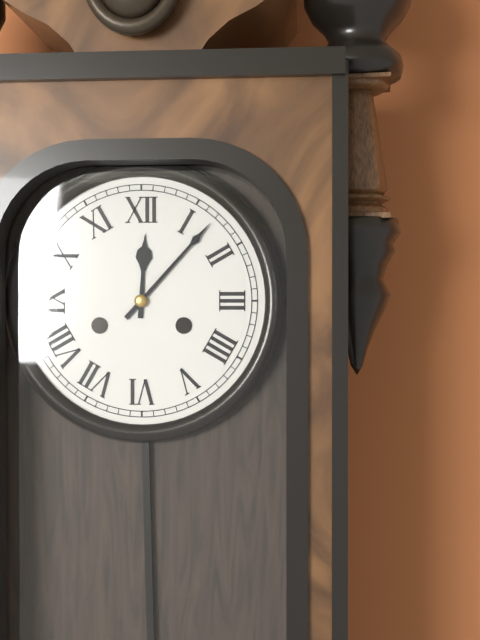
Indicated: 12,07
